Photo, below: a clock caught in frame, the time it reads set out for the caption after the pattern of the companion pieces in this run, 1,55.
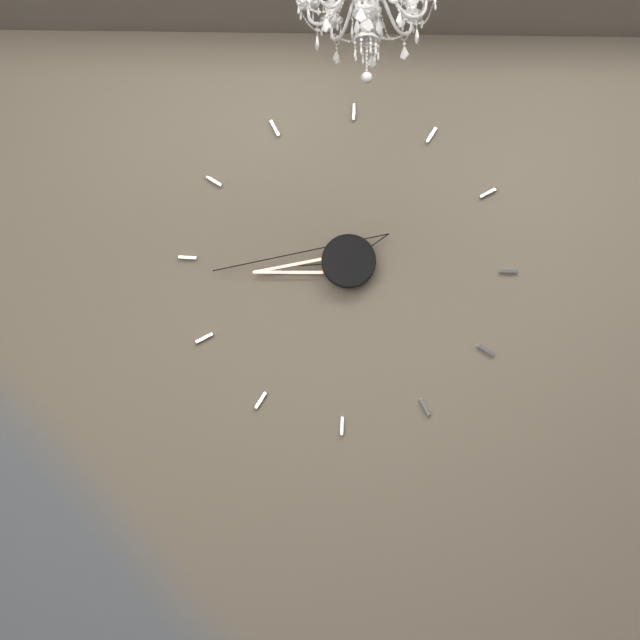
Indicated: 8,44
